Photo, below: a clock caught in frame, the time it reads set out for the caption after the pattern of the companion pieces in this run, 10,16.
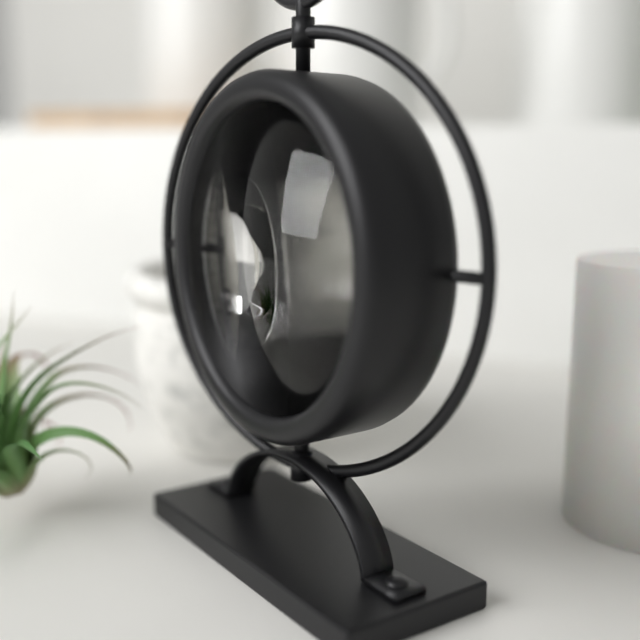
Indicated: 1,23
